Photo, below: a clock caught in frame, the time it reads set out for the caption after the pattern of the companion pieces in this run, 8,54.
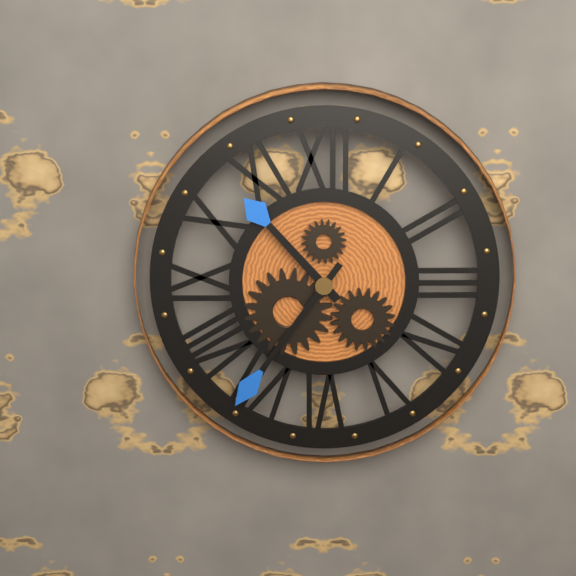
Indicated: 10,36
